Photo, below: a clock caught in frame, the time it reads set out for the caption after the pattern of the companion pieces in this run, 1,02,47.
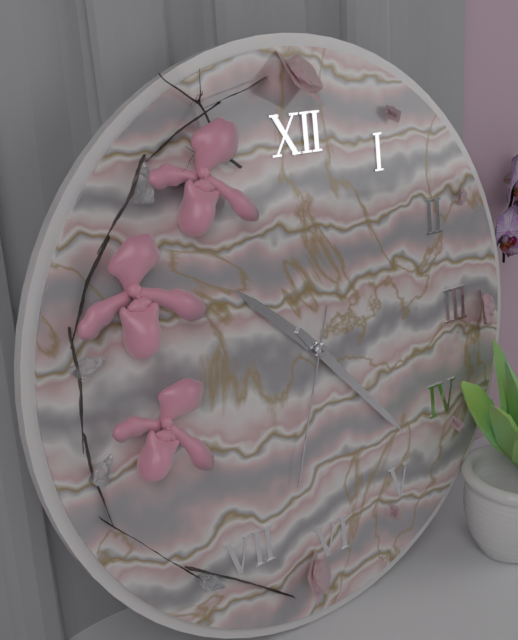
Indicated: 10,23,33
